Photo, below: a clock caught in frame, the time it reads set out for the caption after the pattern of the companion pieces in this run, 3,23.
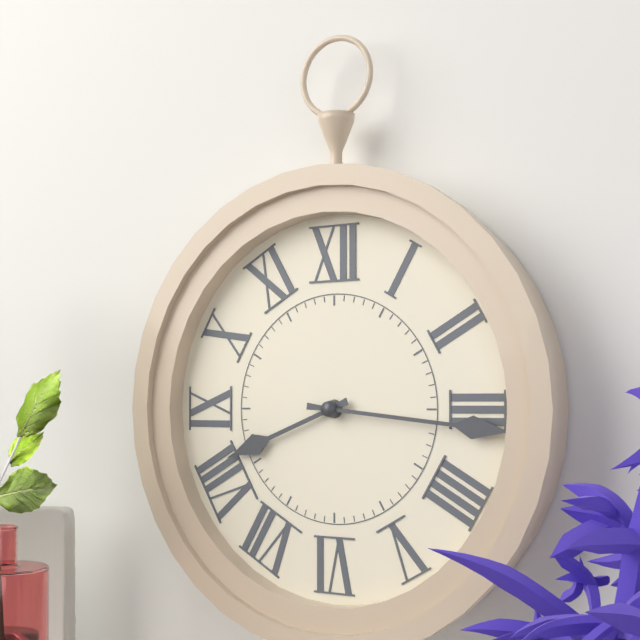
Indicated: 8,16
